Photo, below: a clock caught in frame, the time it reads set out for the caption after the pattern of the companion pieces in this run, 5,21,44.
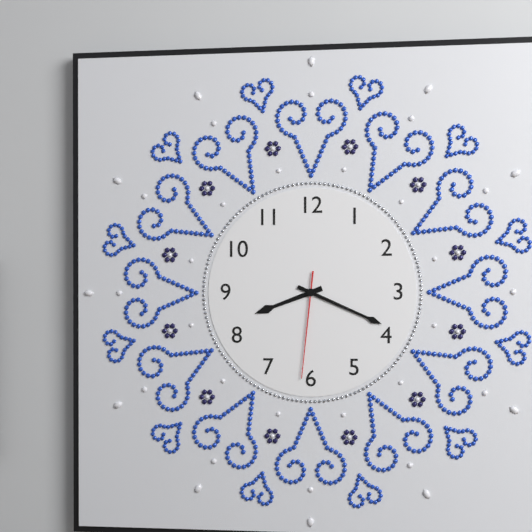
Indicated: 8,19,31
